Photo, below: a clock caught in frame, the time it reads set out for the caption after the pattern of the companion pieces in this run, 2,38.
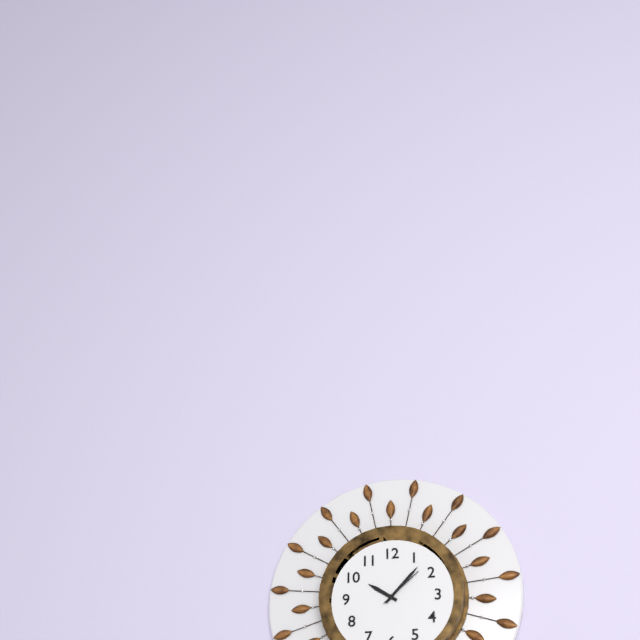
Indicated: 10,07
